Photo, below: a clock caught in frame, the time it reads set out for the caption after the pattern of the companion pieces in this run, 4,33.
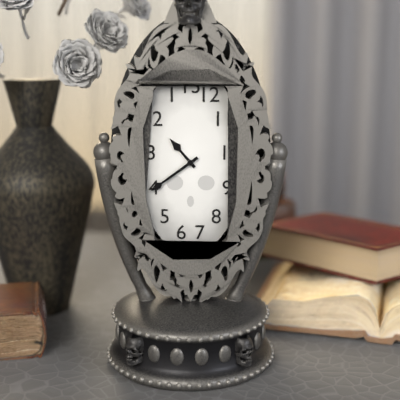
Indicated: 10,39
